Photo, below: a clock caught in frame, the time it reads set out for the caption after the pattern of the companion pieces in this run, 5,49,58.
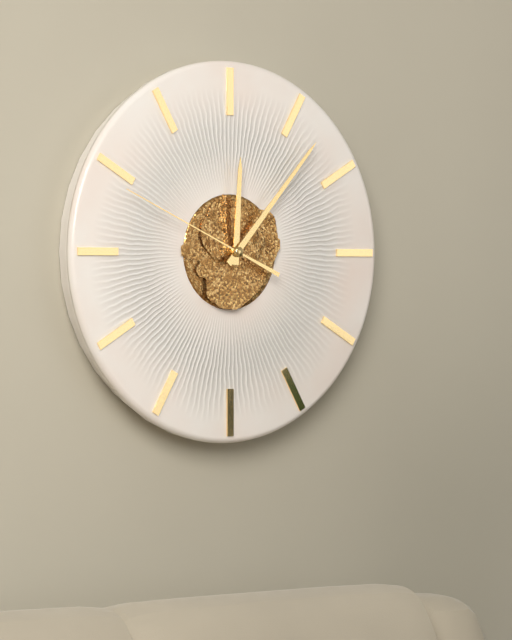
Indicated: 12,07,49
